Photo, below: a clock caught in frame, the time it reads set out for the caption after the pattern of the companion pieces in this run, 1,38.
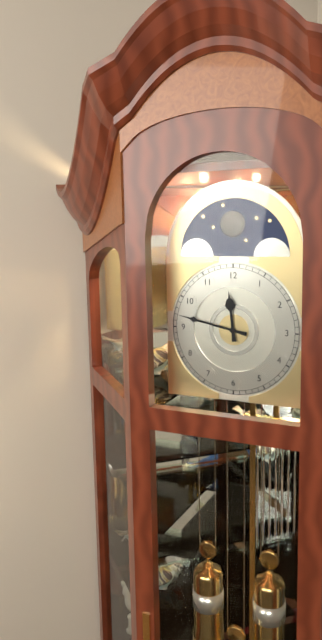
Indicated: 11,47
